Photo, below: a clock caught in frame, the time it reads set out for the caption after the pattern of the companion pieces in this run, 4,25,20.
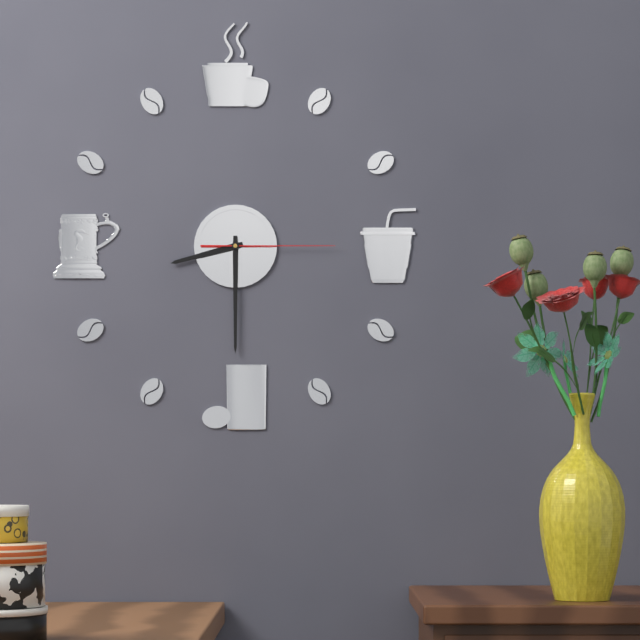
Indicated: 8,30,15
